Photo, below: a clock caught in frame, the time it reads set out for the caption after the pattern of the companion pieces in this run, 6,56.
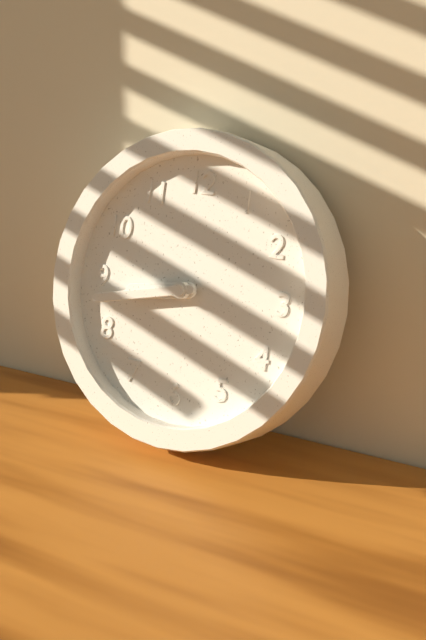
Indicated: 8,43
